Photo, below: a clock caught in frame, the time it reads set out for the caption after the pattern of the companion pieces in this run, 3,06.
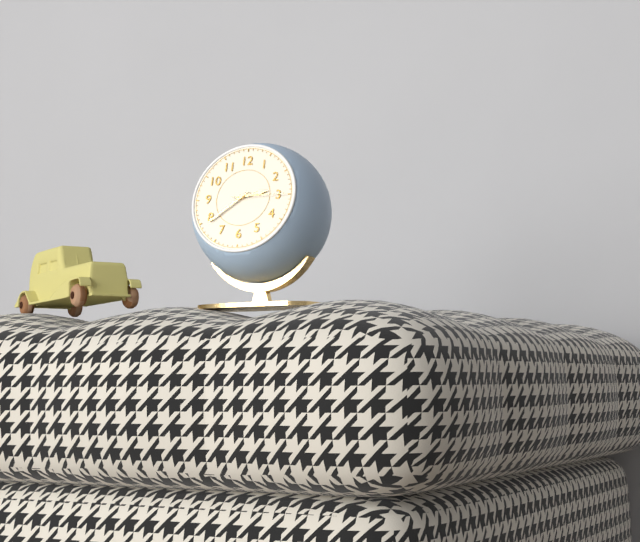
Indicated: 2,39
